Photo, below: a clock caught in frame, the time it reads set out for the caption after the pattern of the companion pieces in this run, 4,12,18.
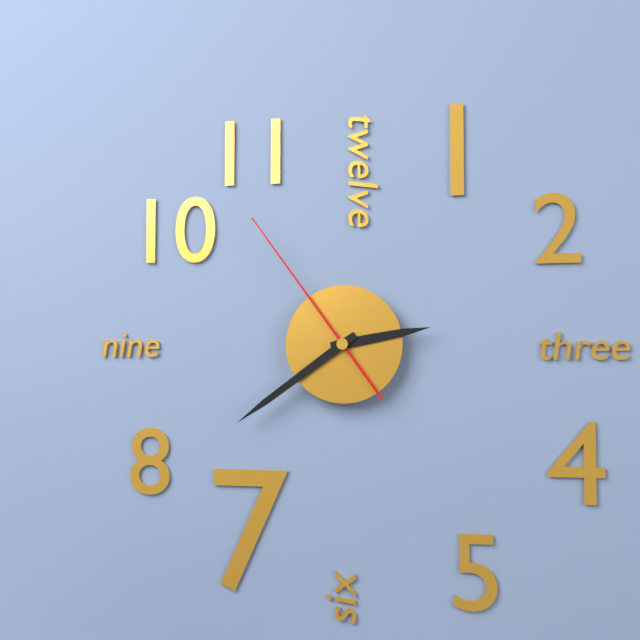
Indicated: 2,39,54
